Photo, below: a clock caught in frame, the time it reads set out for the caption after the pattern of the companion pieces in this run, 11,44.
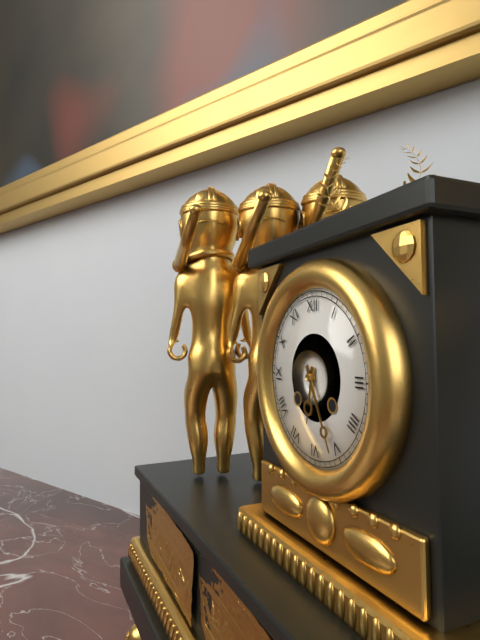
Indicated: 6,26
